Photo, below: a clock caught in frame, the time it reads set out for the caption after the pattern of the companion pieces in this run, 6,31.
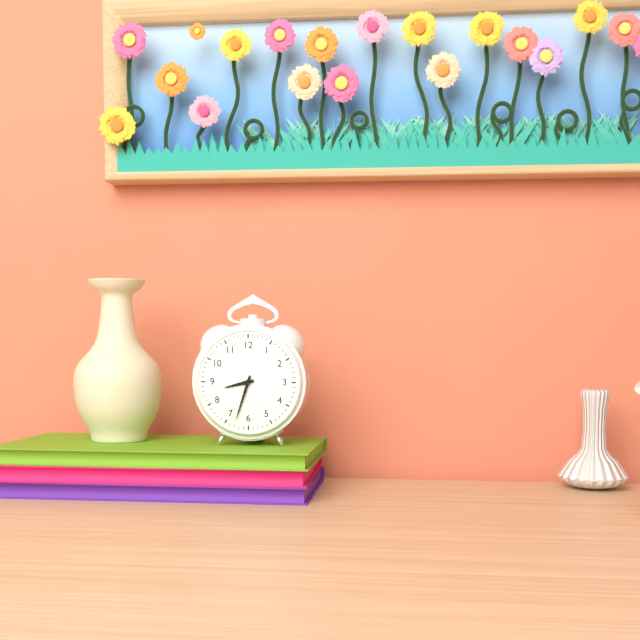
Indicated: 8,33
